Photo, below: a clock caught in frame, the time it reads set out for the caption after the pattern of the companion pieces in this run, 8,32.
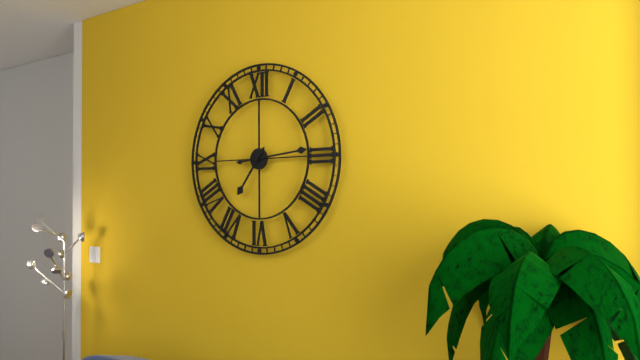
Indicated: 7,14
